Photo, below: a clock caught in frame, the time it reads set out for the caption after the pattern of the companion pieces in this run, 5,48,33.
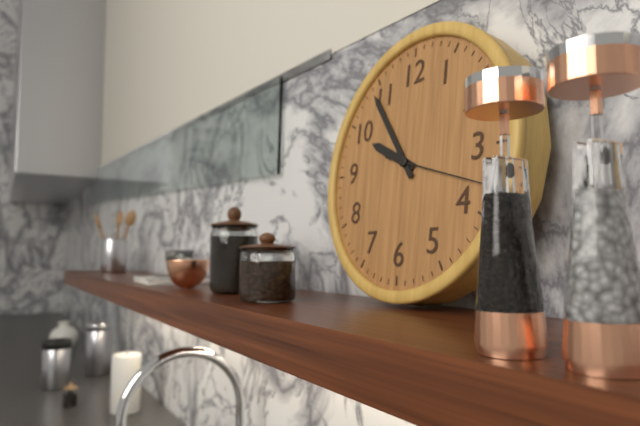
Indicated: 9,54,18
